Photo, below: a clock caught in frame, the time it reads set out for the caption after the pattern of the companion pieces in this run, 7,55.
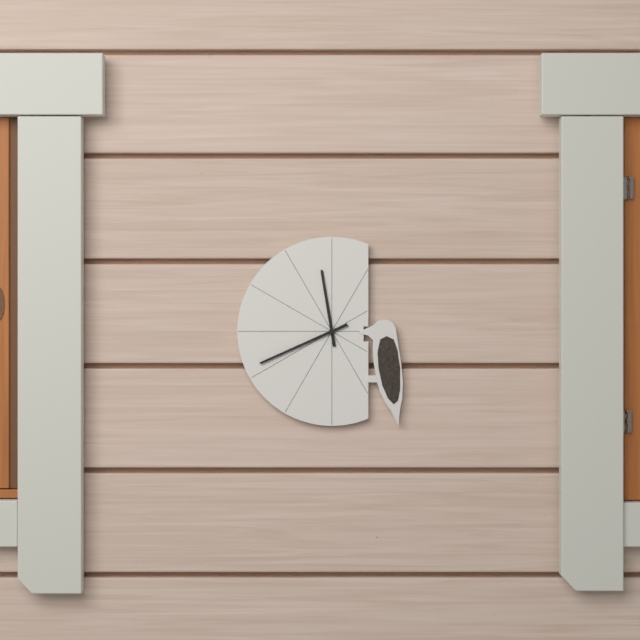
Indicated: 11,41
